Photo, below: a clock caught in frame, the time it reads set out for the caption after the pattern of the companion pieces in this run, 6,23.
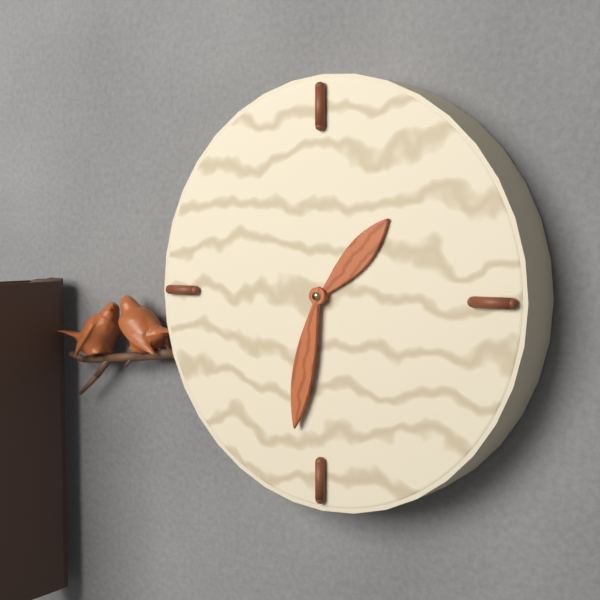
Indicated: 1,32
